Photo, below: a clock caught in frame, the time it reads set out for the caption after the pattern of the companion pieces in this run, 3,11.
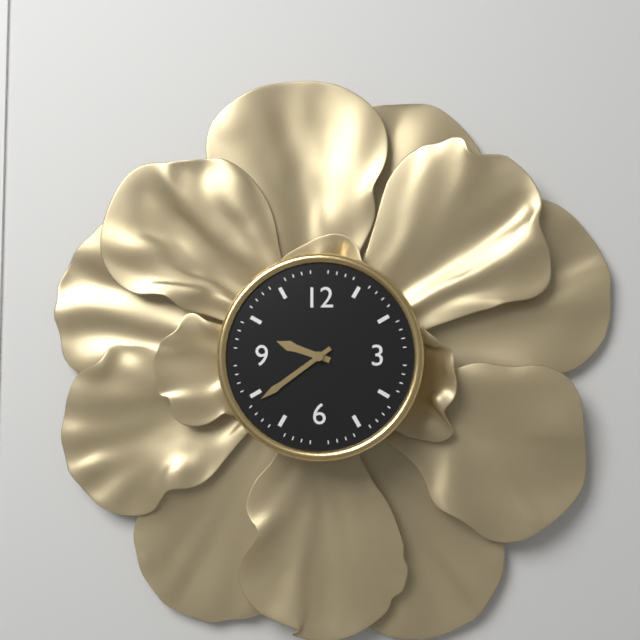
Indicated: 9,39
